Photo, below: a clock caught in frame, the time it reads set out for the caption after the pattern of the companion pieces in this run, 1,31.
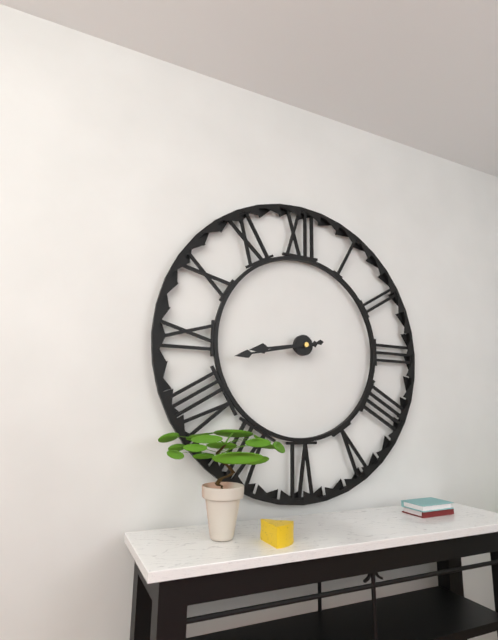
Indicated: 8,43
